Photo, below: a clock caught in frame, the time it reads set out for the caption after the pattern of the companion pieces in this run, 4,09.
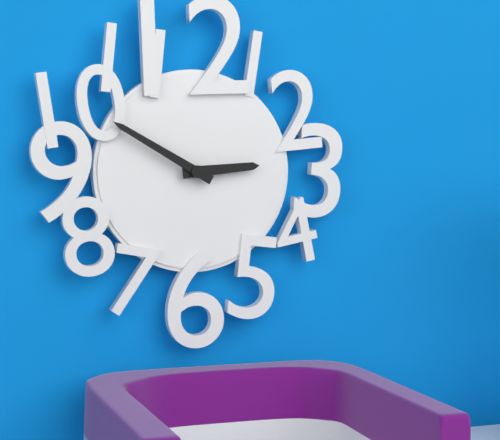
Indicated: 2,50
